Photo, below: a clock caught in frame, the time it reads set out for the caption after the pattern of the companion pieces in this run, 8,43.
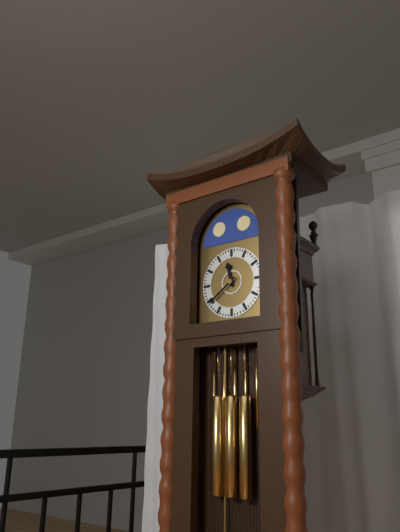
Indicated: 11,39
